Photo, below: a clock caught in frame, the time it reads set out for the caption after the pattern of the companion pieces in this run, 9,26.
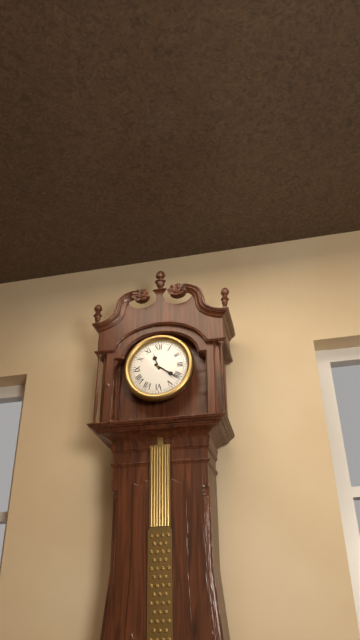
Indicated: 11,21
